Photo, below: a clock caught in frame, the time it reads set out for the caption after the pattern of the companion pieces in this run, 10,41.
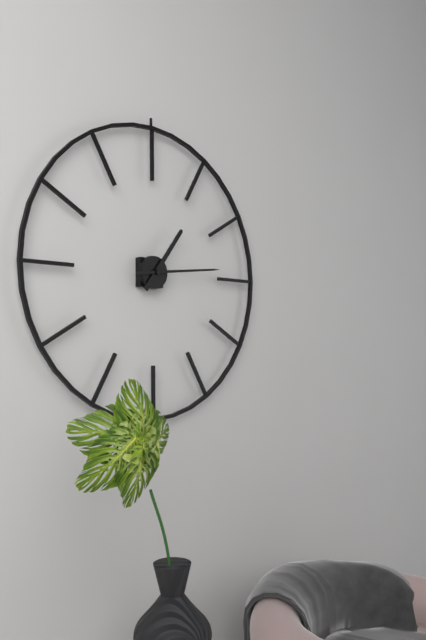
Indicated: 1,14
